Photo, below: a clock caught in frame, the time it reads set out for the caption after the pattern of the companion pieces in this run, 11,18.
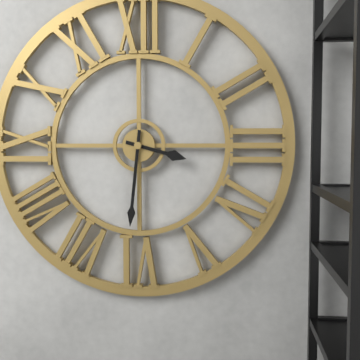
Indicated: 3,31
